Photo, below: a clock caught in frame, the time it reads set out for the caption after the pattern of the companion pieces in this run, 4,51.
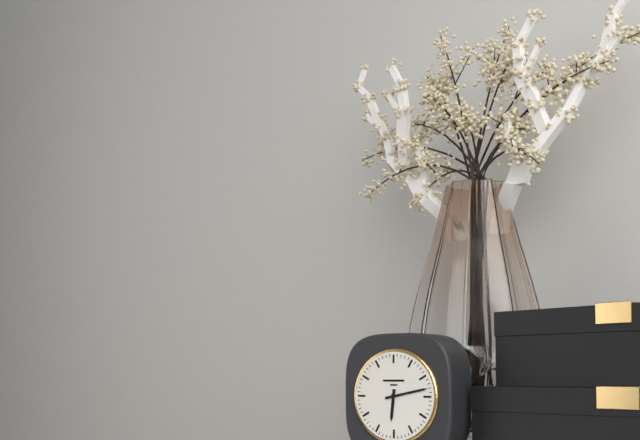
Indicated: 6,13
